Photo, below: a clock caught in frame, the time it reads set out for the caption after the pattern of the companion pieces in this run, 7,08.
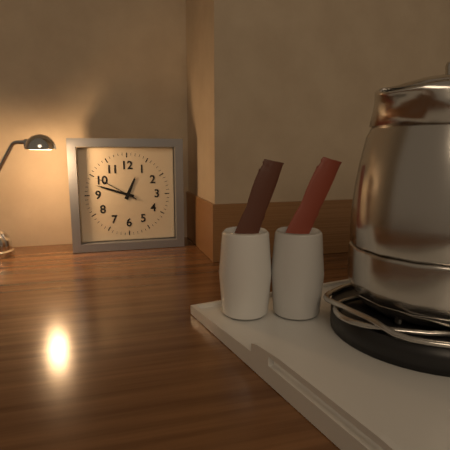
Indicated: 12,48
